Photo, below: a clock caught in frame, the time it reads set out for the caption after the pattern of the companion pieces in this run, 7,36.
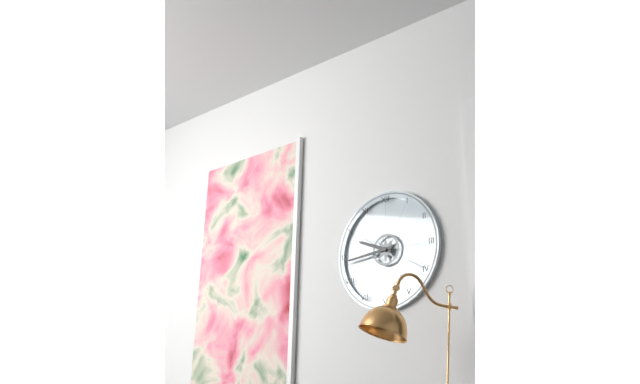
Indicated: 9,44
